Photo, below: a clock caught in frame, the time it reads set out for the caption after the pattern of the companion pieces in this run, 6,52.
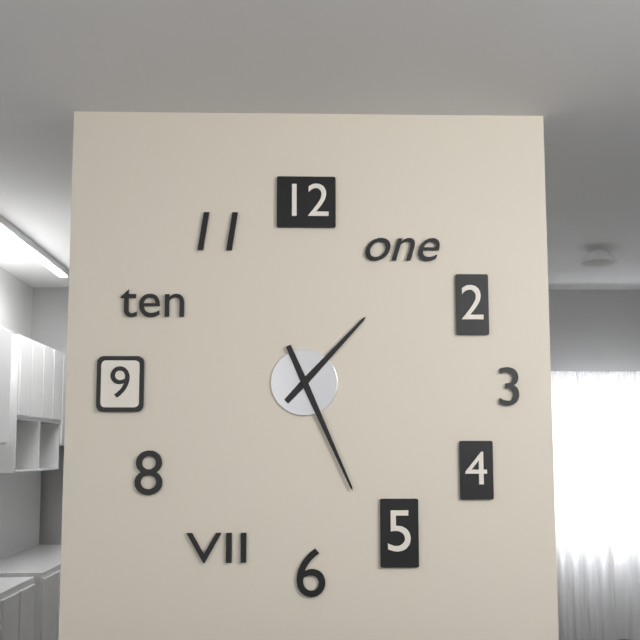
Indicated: 1,26
